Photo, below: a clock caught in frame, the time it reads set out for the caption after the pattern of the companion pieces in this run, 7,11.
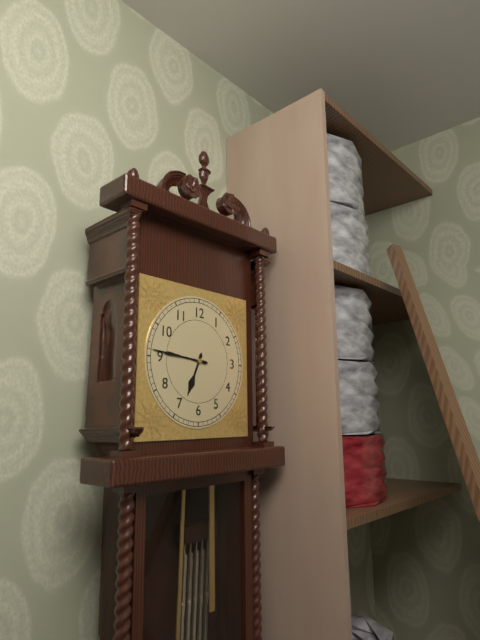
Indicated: 6,46
